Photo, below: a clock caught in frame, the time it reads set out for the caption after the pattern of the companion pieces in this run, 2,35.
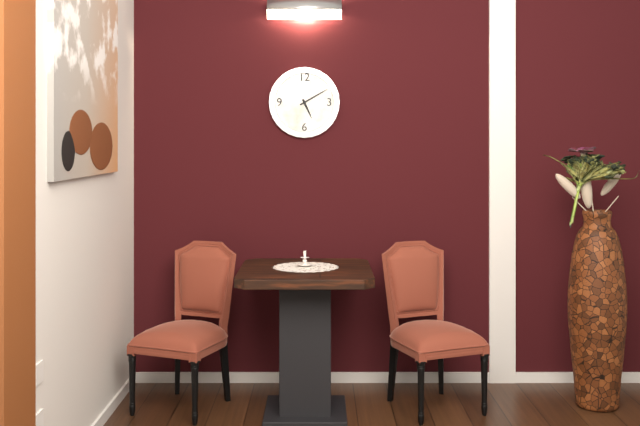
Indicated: 5,10
